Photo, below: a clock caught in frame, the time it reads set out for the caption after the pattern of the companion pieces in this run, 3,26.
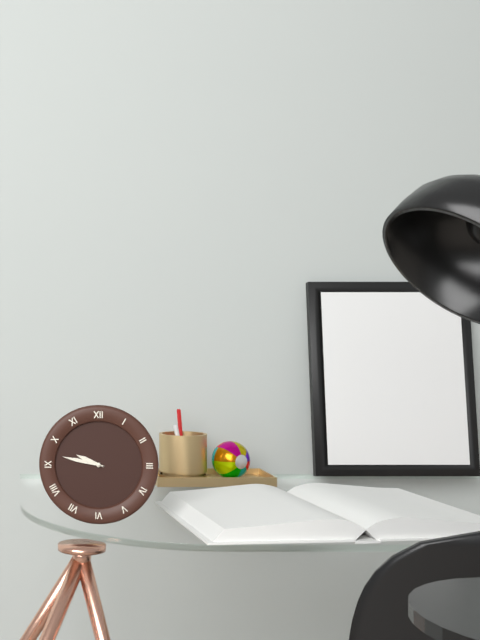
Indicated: 9,47
